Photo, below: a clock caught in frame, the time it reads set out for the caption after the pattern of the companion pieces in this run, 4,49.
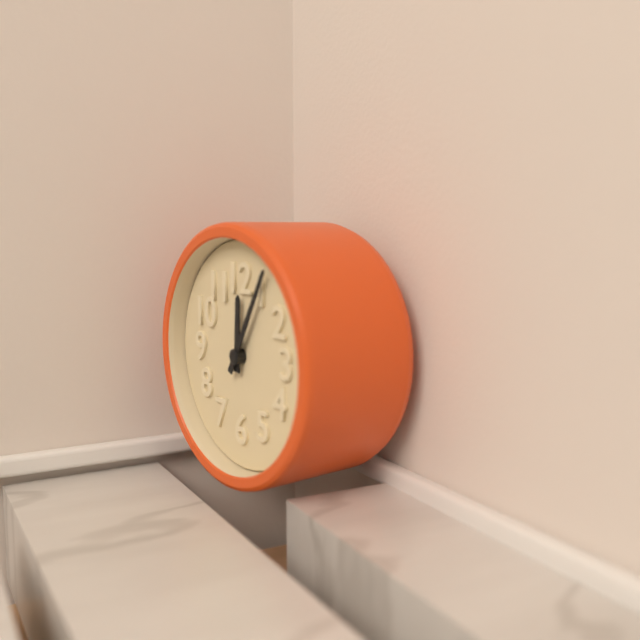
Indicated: 12,05
